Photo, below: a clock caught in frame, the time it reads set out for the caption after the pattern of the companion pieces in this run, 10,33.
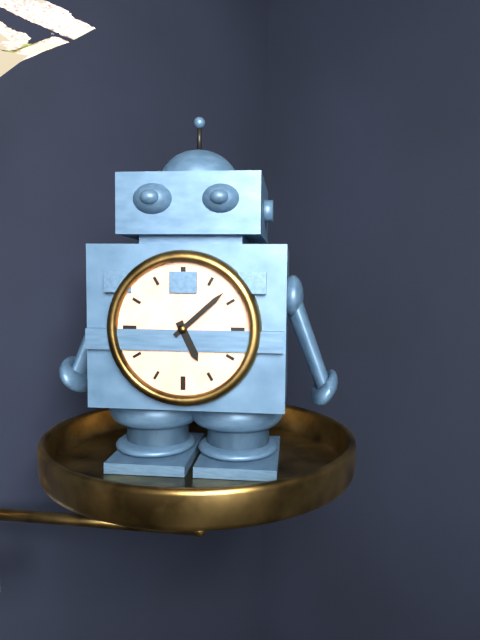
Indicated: 5,08
